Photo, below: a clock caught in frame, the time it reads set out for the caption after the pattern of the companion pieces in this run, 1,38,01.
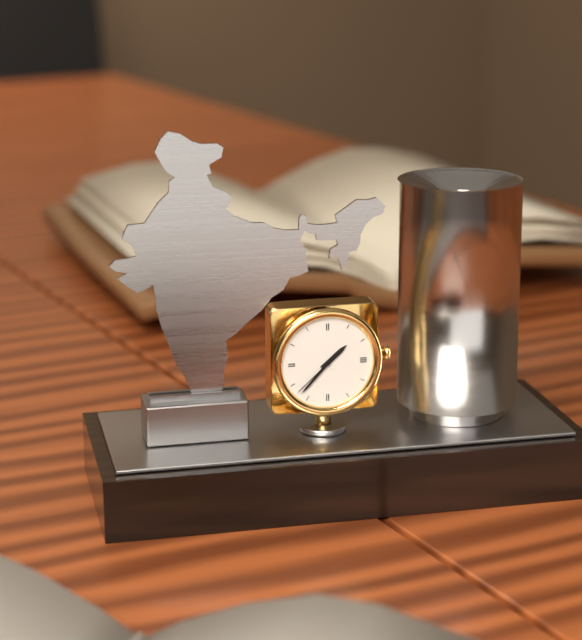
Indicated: 1,37,38
